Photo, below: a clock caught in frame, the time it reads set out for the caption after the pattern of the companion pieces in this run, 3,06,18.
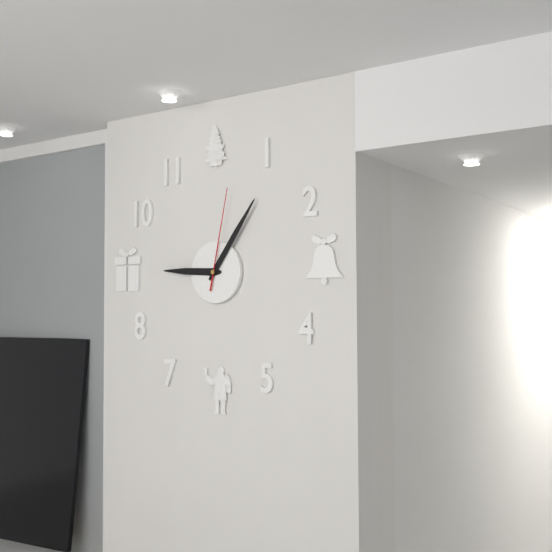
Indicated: 9,06,02
